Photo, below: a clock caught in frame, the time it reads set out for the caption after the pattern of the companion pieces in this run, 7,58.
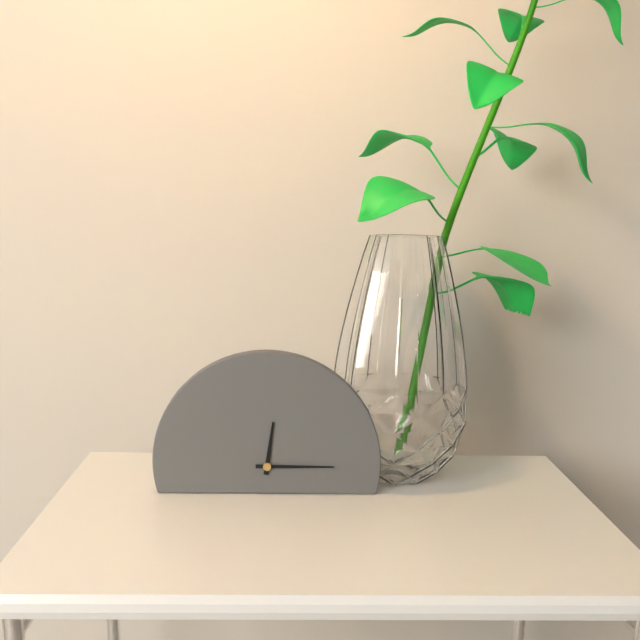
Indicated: 12,15
